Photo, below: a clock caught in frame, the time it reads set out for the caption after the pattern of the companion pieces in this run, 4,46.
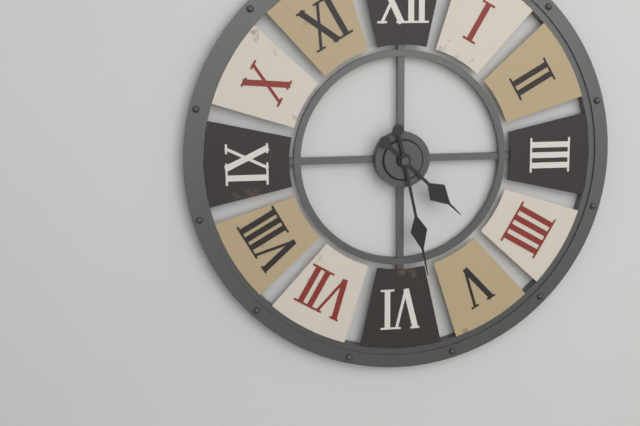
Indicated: 4,28
